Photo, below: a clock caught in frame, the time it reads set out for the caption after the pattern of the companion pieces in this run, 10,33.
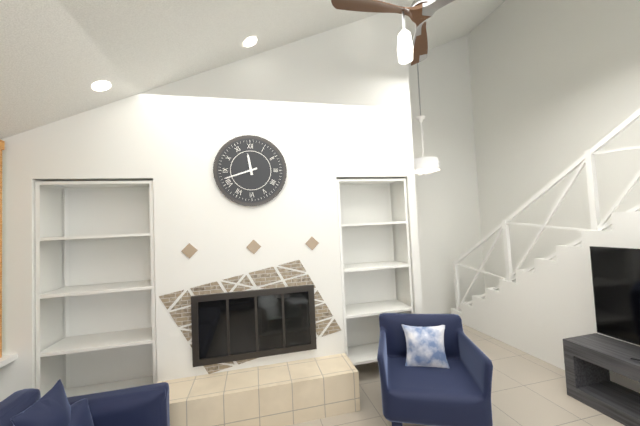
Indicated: 11,42
